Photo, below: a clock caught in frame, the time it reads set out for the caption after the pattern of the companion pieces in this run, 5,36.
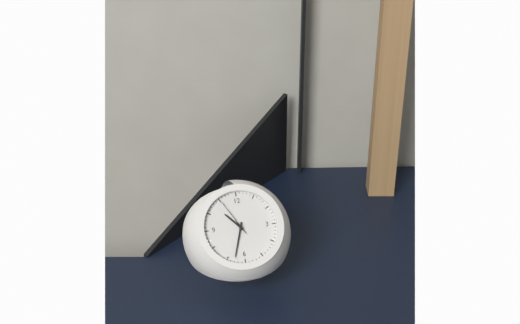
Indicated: 10,33
